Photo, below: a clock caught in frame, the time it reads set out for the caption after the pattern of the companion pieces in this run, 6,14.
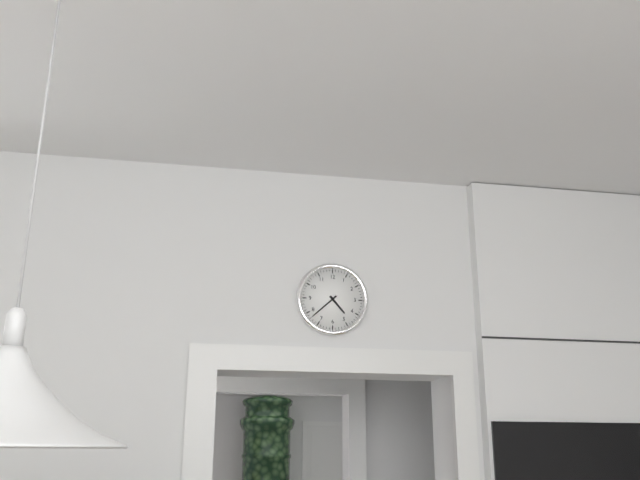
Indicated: 4,38
